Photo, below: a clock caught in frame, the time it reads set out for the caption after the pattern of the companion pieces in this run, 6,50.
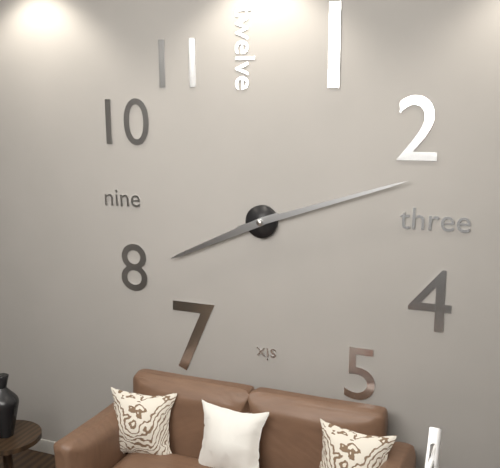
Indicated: 8,12
